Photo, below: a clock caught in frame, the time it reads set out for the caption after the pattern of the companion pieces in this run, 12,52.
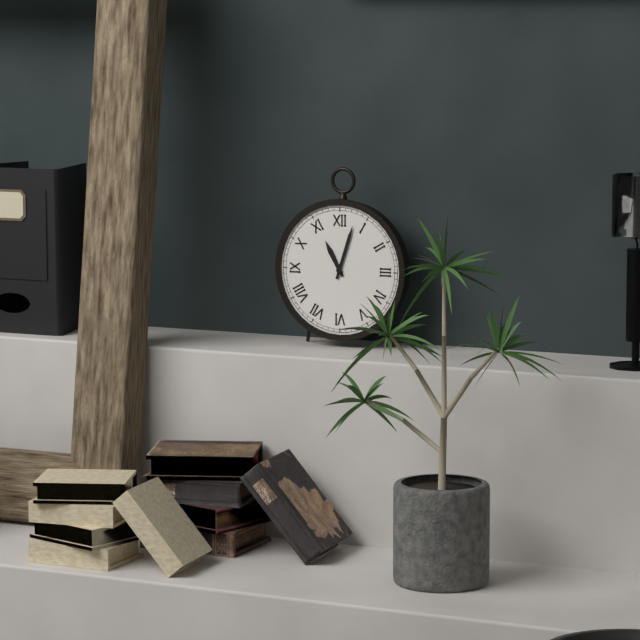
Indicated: 11,03
